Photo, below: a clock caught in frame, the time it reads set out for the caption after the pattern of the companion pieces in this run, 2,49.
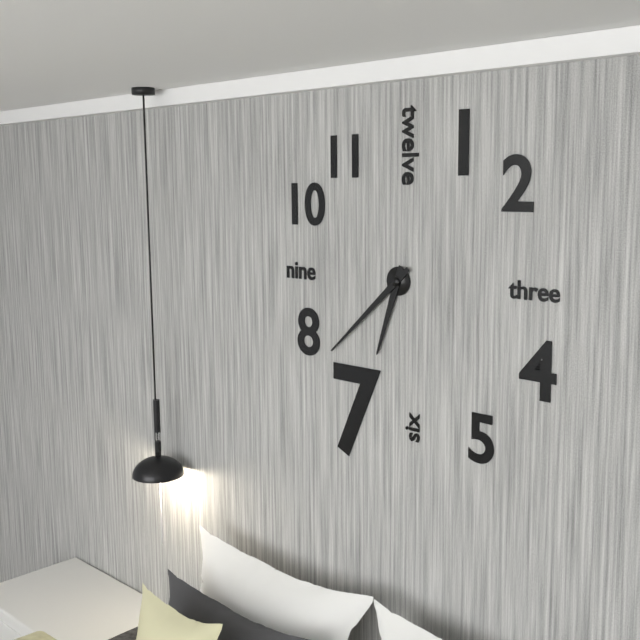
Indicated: 6,38
